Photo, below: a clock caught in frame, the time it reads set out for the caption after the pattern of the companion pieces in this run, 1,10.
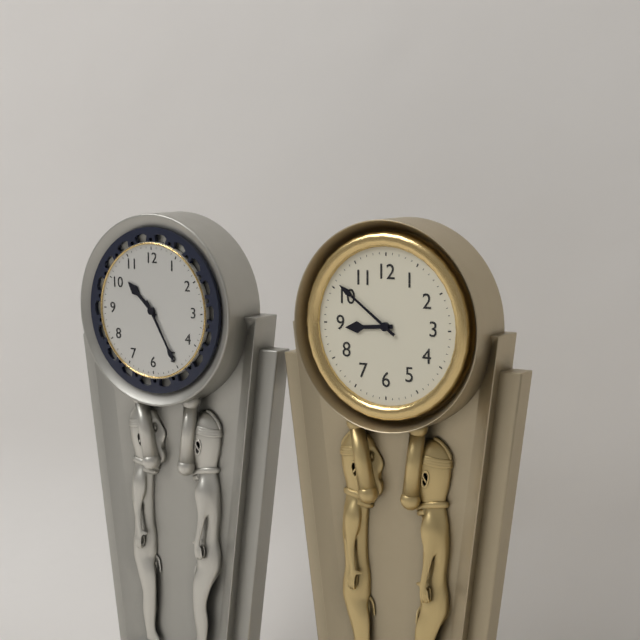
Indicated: 8,51
